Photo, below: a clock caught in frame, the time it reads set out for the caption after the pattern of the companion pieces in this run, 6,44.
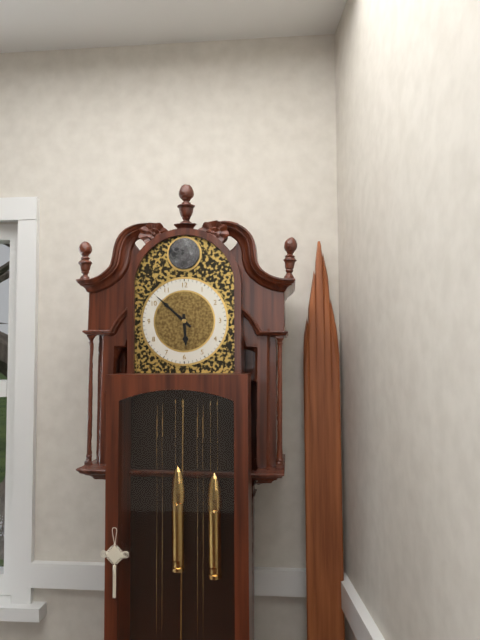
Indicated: 5,52
